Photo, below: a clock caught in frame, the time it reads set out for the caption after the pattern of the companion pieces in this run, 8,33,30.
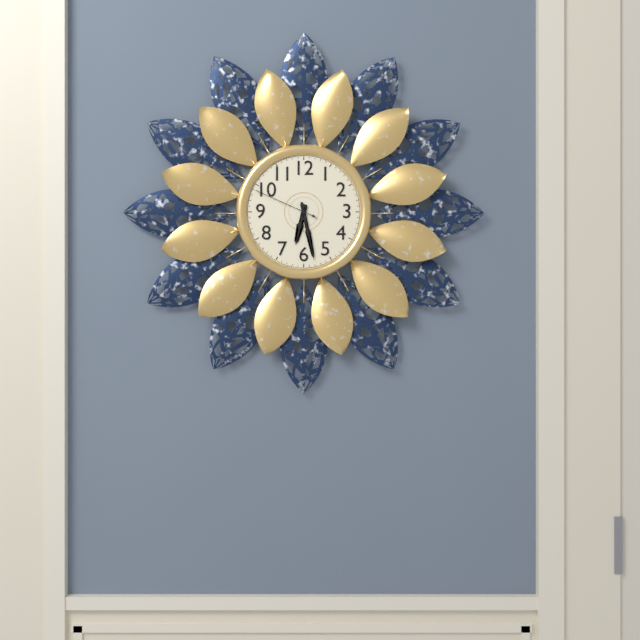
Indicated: 6,28,49
